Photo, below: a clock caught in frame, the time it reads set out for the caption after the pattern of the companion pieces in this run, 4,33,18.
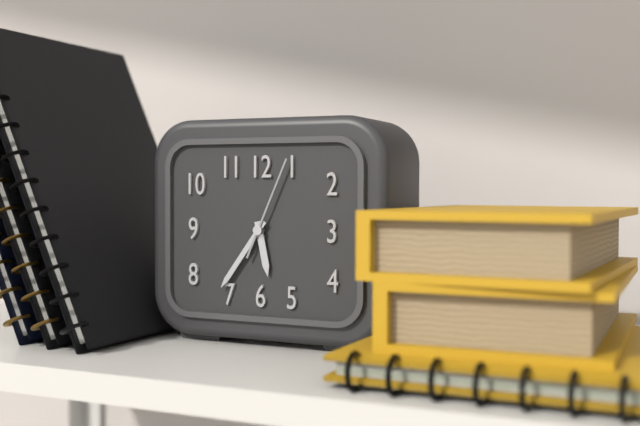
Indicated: 5,36,04
